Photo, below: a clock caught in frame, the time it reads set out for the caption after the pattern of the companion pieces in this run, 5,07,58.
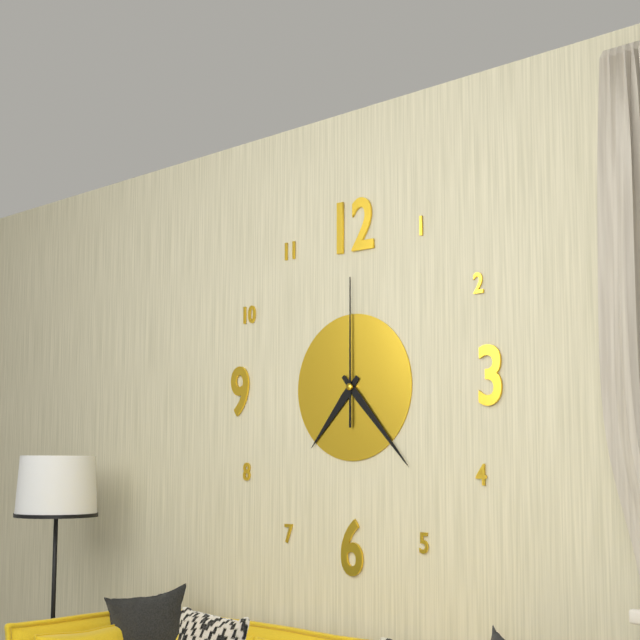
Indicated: 7,23,00
